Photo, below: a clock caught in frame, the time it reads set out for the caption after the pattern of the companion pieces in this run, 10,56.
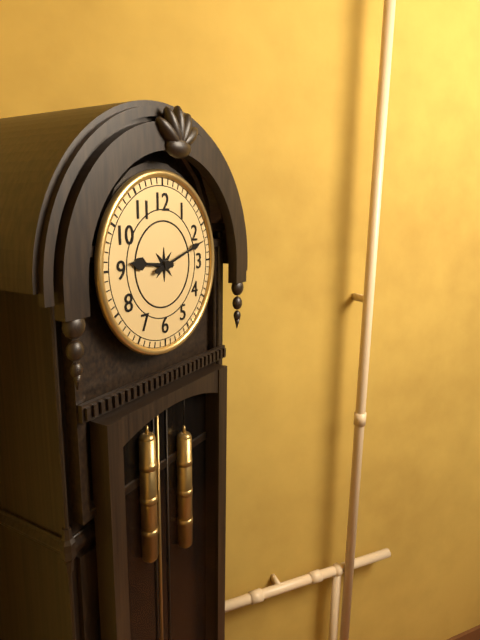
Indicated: 9,12
